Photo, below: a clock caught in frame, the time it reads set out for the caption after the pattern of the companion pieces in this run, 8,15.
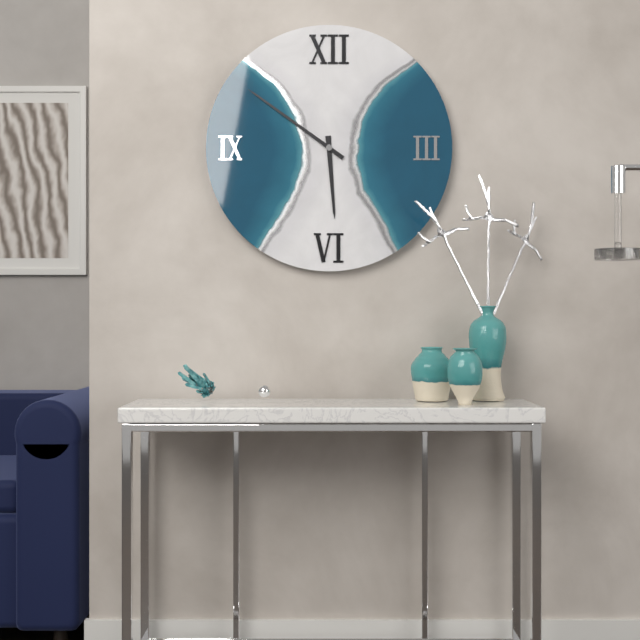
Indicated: 5,51
